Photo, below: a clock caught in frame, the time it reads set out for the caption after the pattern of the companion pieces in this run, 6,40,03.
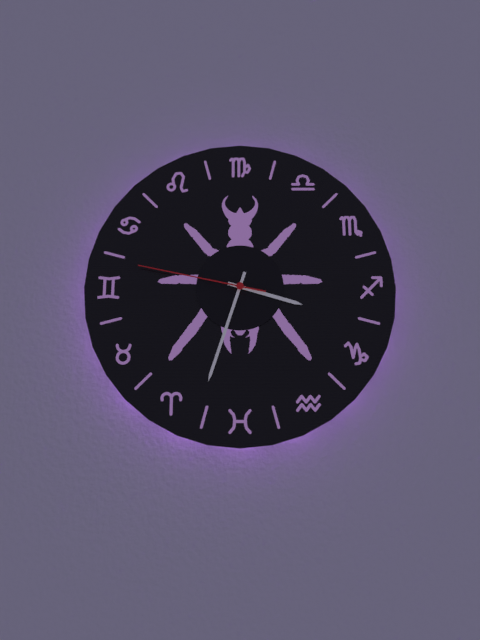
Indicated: 3,33,47
